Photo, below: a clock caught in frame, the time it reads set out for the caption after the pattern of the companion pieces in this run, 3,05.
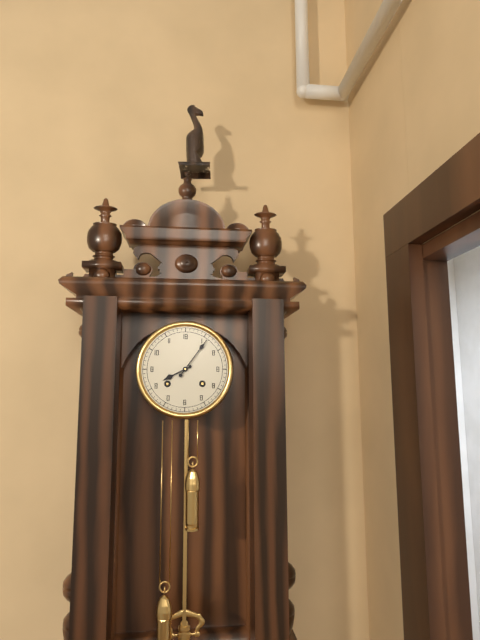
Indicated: 8,06
